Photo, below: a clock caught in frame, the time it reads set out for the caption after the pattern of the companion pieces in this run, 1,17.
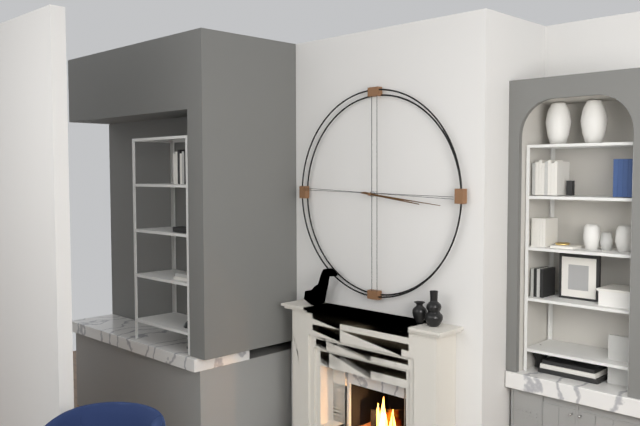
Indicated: 3,16
